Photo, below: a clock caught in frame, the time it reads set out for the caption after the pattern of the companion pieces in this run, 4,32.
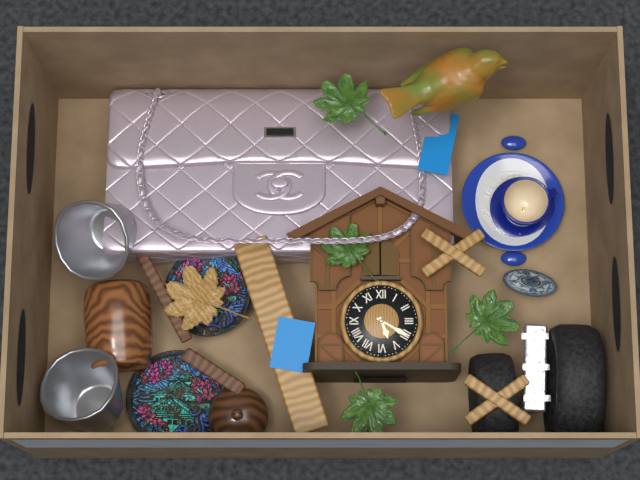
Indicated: 5,20
